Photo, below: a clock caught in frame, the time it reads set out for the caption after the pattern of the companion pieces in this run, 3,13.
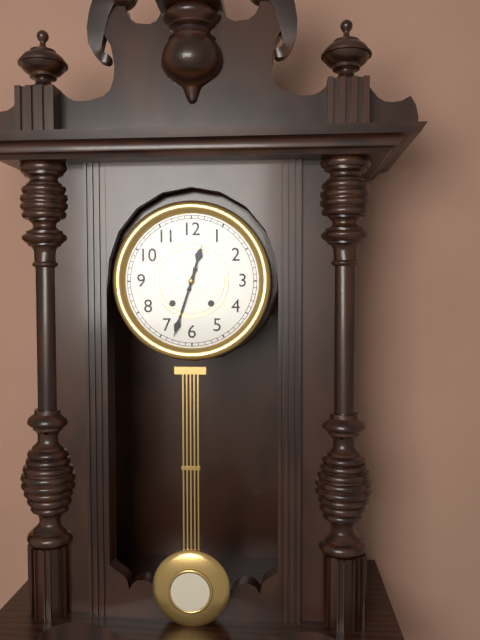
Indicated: 12,33
